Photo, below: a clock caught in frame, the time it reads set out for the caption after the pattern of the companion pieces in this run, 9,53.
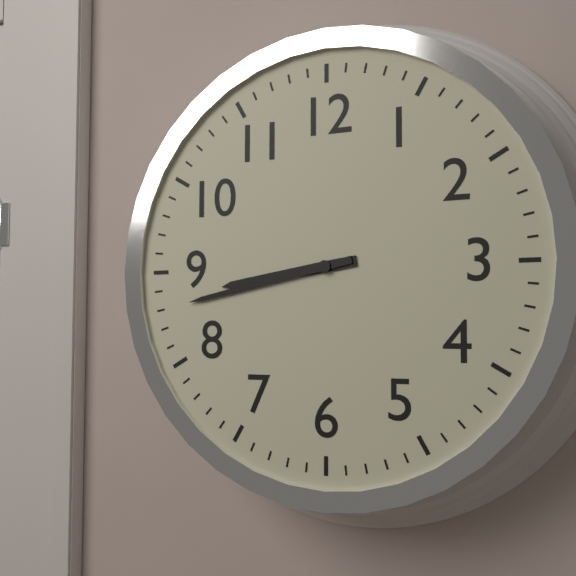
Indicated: 8,43
